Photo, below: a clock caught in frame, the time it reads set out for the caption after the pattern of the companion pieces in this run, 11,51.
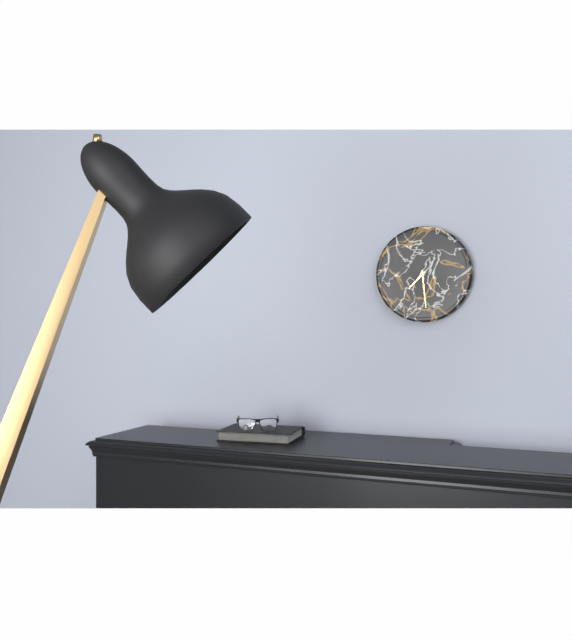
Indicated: 7,29
